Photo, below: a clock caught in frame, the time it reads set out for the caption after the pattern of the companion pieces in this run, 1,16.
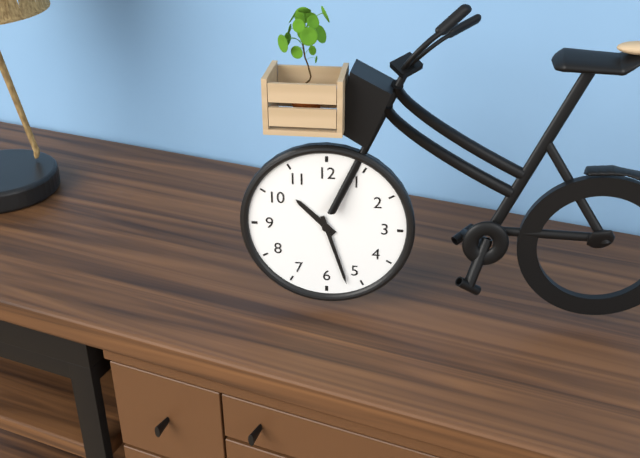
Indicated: 10,27
